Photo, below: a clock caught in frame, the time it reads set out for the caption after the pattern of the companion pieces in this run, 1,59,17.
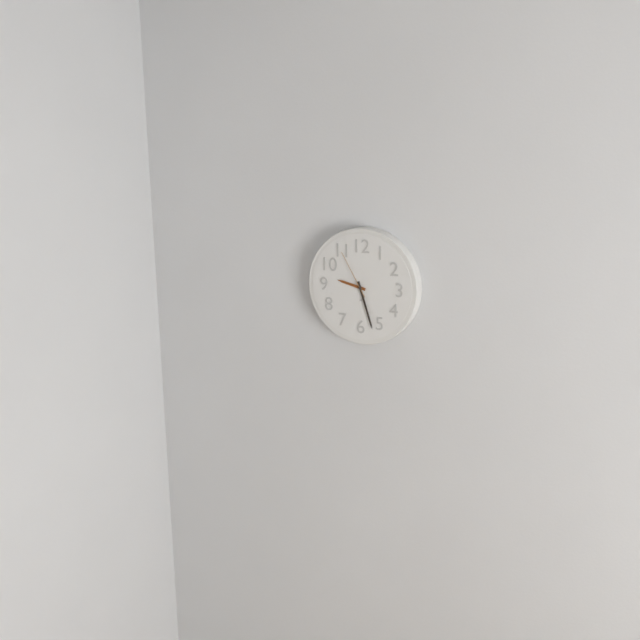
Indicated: 9,27,55
